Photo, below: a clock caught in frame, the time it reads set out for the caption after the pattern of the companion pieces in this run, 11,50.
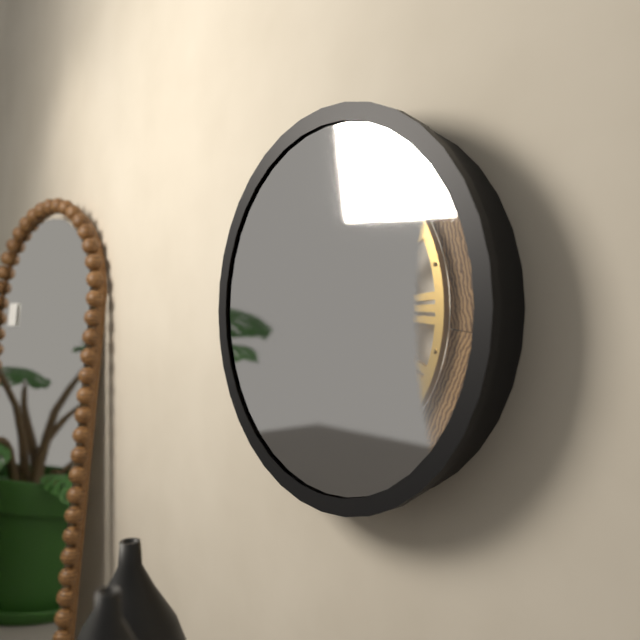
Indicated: 11,41
